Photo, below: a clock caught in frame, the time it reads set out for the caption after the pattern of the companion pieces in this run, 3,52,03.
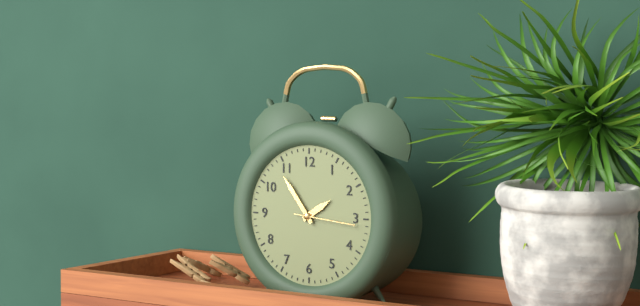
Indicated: 1,54,16
